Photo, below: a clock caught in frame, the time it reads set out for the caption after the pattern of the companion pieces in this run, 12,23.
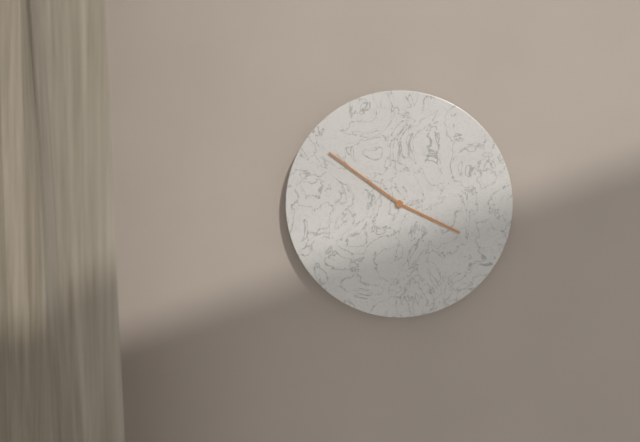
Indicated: 3,51
